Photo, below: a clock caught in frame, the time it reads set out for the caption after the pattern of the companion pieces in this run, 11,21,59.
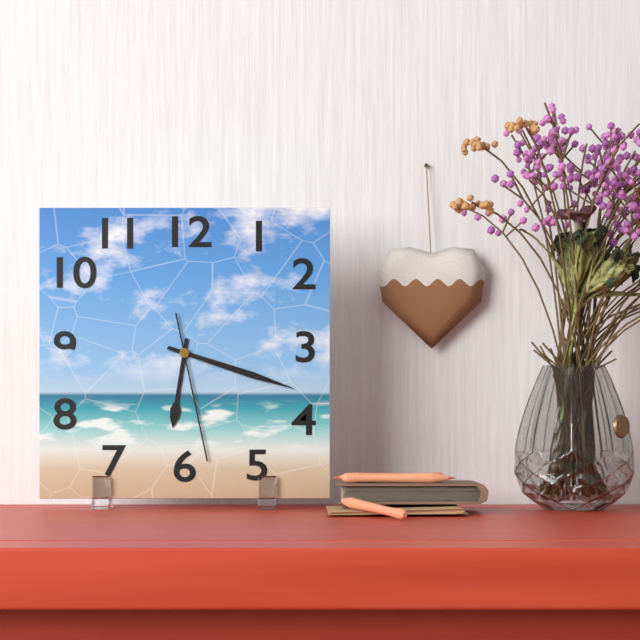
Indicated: 6,18,28
